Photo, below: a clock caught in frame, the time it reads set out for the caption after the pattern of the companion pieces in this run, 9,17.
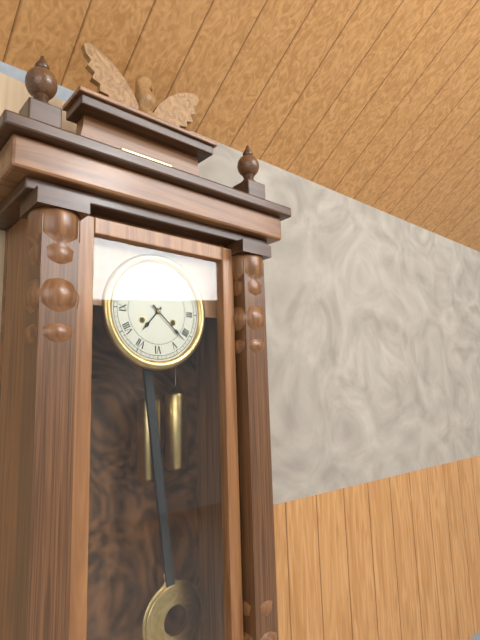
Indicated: 7,22
